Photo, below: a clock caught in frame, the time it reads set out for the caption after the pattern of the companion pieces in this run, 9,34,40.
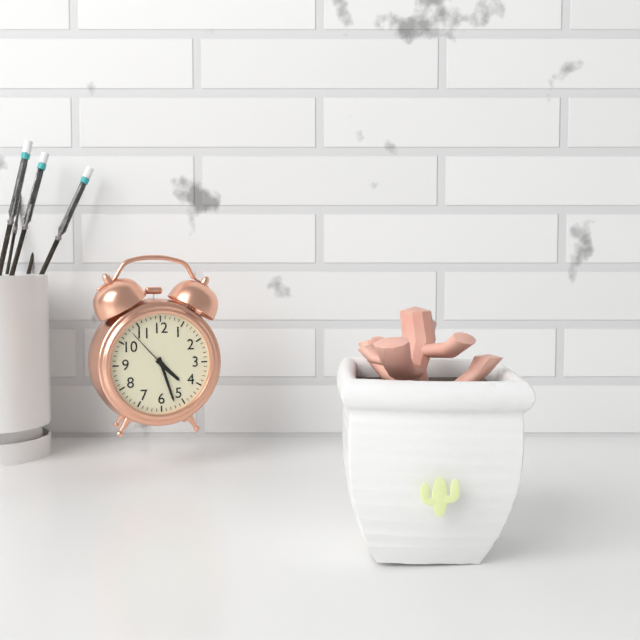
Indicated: 4,27,53
